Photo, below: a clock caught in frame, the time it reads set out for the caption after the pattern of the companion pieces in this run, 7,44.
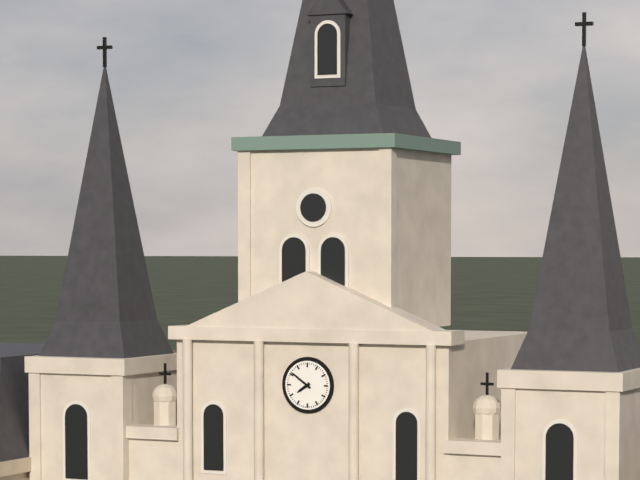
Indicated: 7,51
